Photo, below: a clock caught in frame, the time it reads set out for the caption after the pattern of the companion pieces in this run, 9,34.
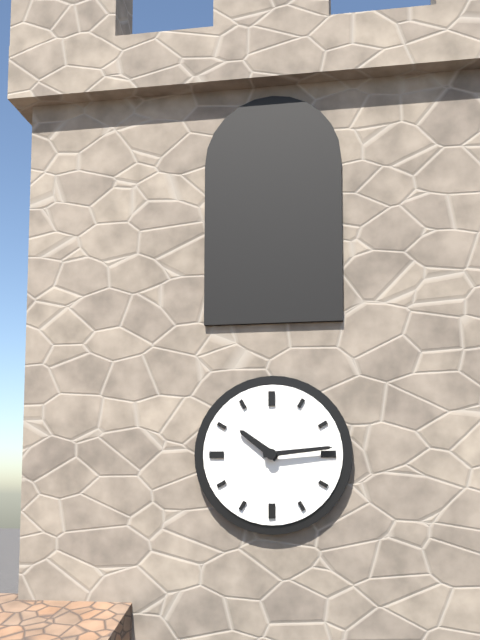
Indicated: 10,14
